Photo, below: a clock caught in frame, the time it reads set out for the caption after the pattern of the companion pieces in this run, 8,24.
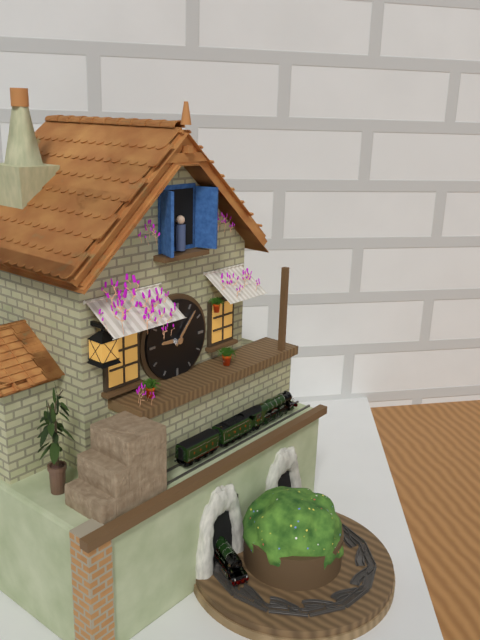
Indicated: 9,07
